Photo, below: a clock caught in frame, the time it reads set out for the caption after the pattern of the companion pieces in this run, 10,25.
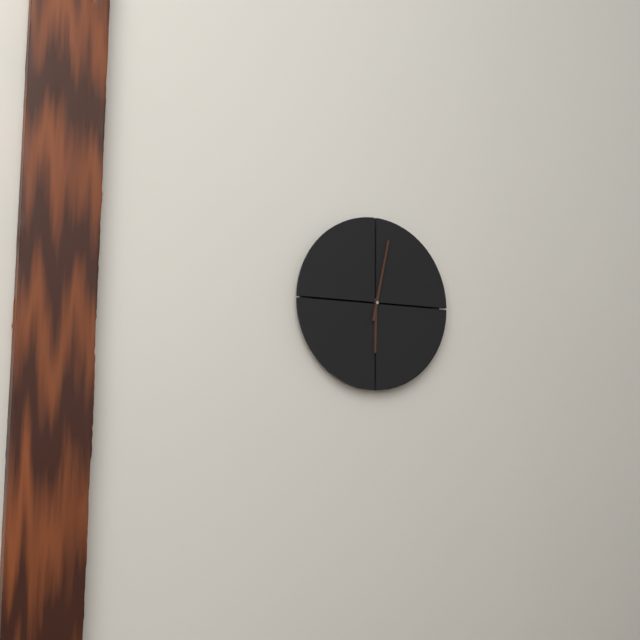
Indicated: 6,02
